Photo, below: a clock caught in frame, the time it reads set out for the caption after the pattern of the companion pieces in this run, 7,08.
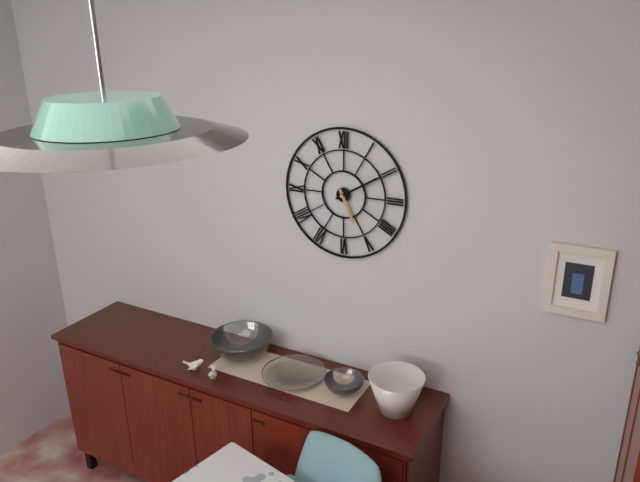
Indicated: 5,10
